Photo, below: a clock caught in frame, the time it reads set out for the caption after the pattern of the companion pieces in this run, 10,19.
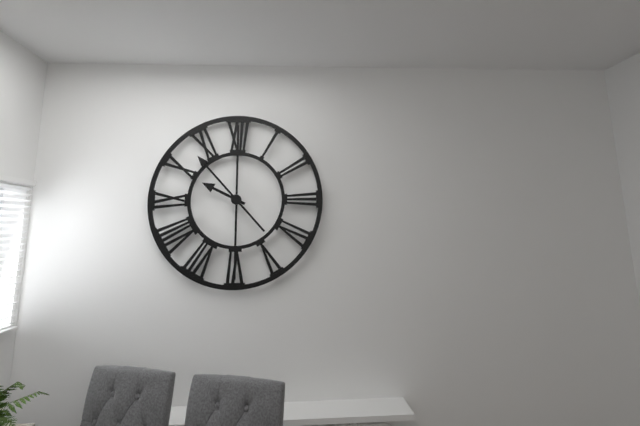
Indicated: 9,53
